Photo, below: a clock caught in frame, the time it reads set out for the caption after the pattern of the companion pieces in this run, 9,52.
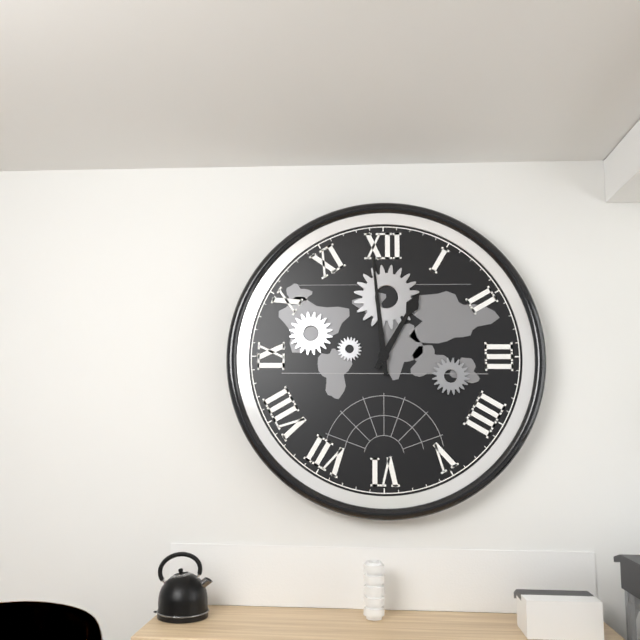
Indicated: 12,59
